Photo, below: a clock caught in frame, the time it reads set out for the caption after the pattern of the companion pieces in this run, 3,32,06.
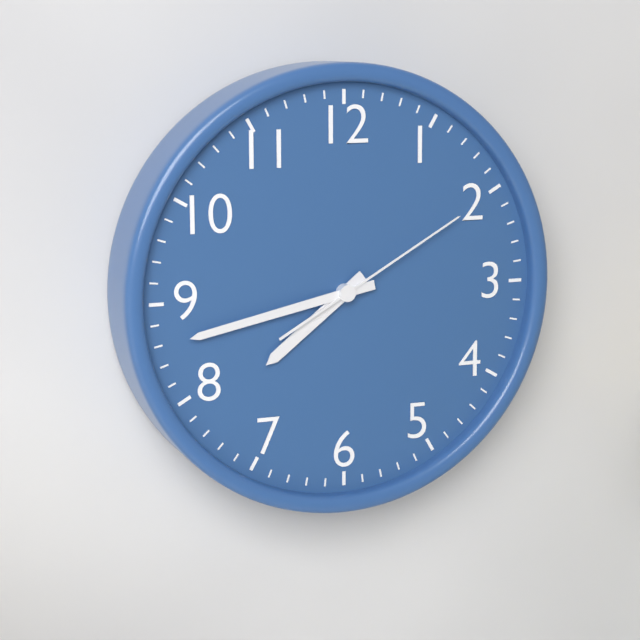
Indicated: 7,43,10
